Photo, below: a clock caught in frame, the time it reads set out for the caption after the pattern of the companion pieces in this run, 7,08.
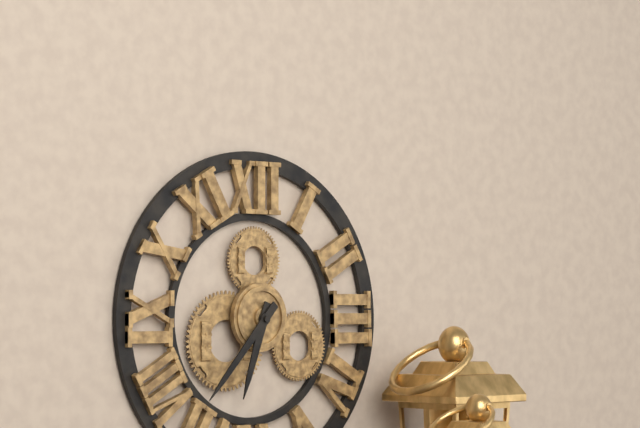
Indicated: 6,37
